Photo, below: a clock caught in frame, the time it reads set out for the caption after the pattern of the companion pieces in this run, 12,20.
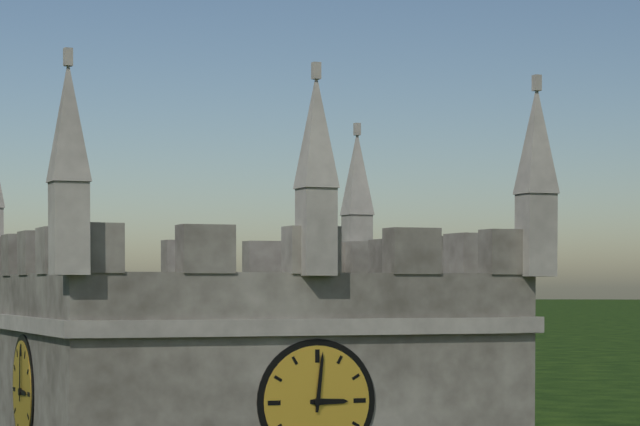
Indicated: 3,01
